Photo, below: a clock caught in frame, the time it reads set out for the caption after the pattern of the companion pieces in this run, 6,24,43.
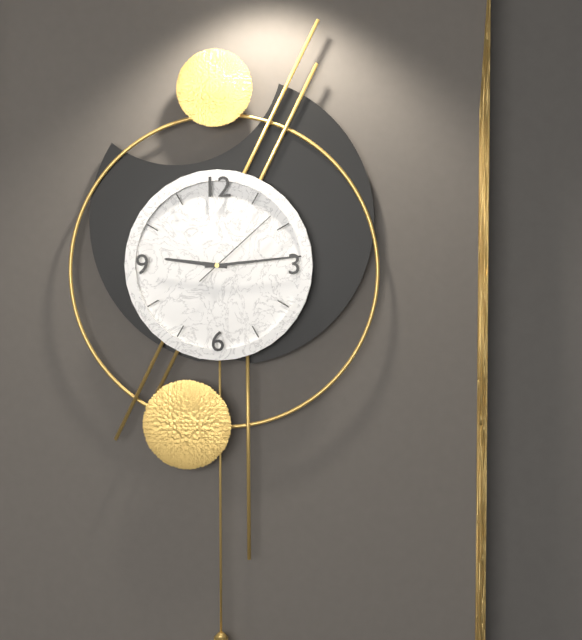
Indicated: 9,14,08
